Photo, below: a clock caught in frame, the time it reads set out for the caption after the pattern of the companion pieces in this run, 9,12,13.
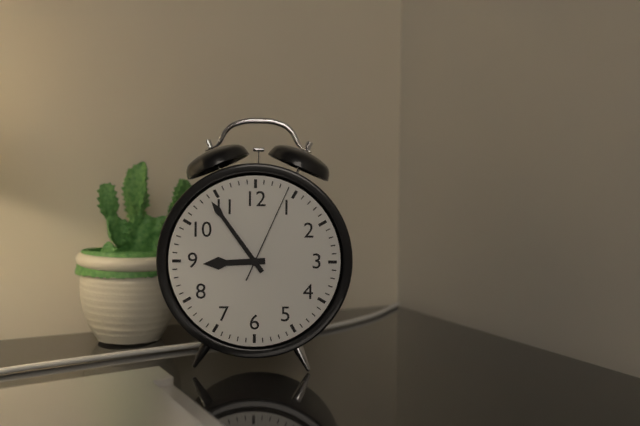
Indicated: 8,54,04
